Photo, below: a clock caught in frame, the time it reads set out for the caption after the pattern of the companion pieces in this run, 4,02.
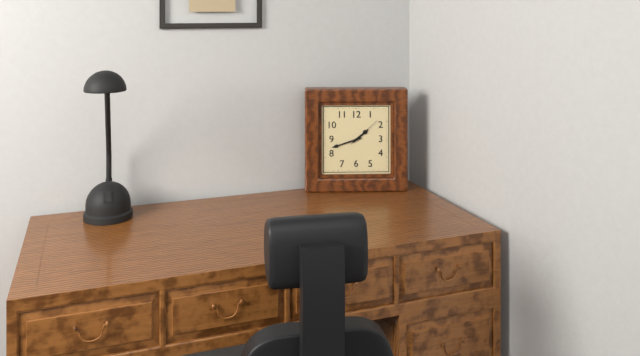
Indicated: 1,42
